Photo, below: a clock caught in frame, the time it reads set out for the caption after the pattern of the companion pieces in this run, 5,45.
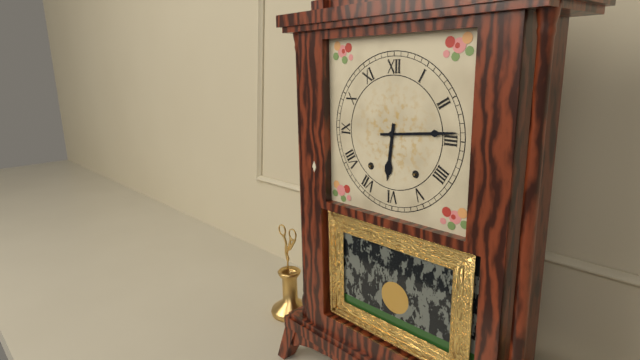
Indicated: 6,14
